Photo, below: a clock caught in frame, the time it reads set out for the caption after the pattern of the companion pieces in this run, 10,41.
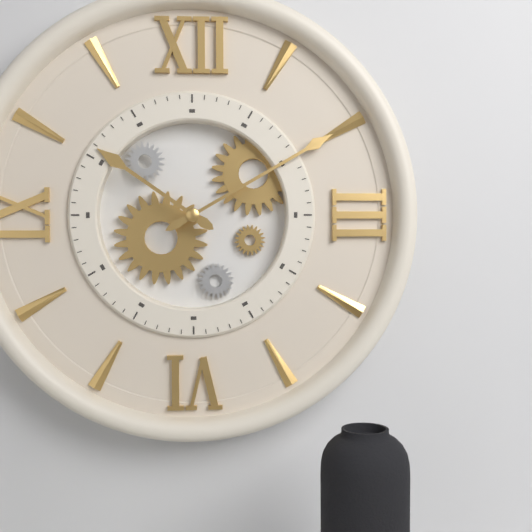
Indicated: 10,10
